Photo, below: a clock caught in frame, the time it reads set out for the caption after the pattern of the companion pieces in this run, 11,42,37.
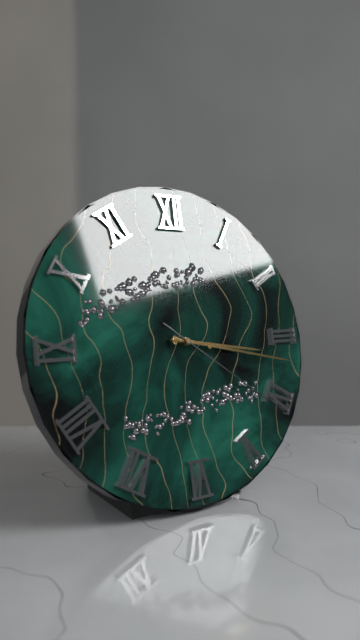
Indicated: 3,17,21
